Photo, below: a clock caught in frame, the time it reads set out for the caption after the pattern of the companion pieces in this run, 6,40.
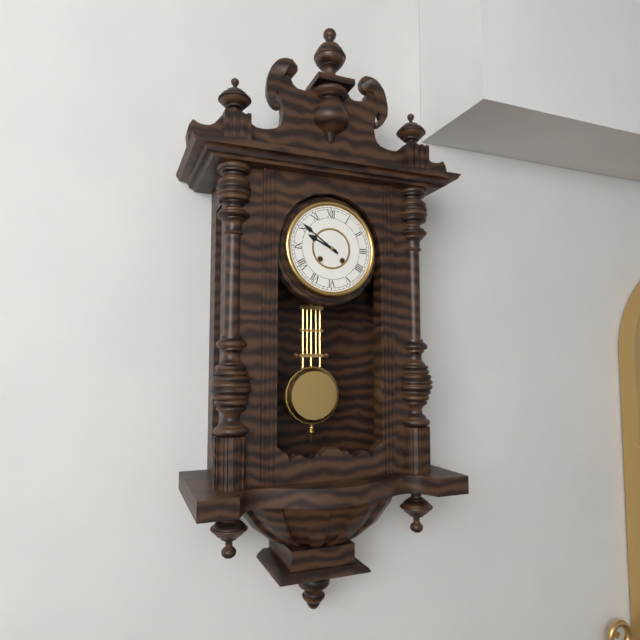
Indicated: 9,51
